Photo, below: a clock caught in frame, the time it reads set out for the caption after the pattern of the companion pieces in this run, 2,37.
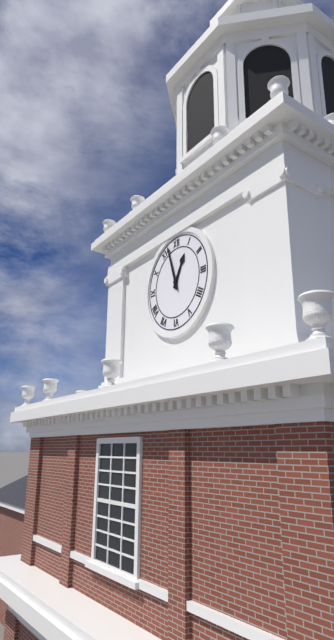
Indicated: 12,57
